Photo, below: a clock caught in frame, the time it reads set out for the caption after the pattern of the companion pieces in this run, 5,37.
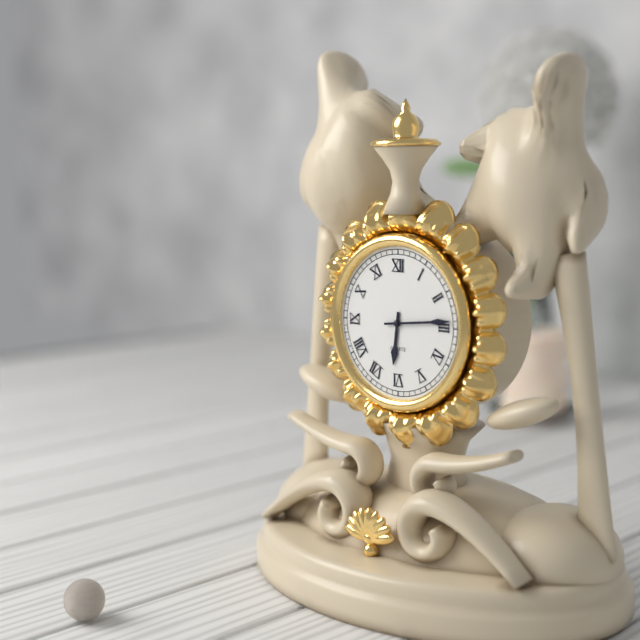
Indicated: 6,14
